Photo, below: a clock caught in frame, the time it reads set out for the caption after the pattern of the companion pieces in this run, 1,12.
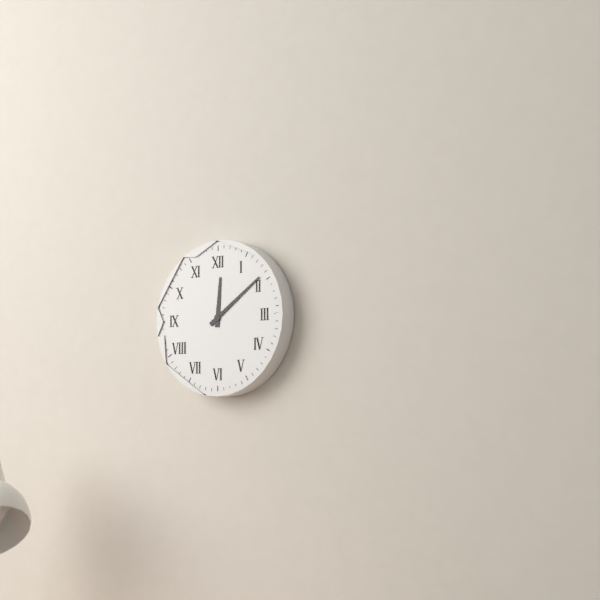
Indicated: 12,09
